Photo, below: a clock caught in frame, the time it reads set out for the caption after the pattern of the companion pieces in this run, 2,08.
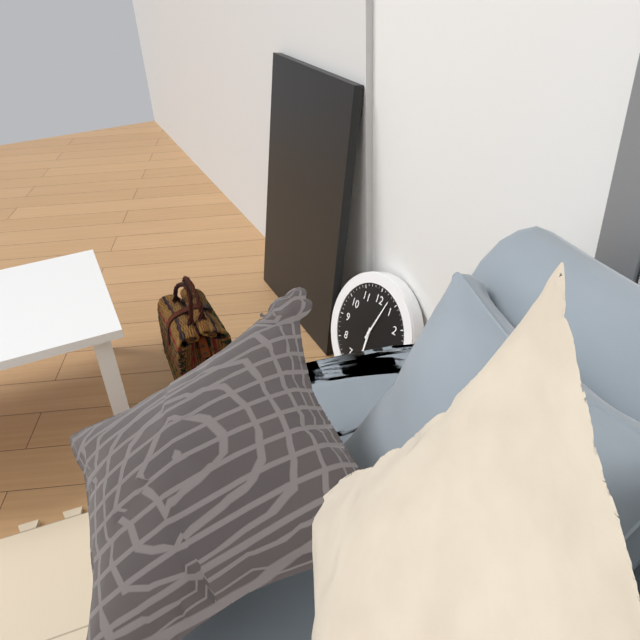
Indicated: 6,03
